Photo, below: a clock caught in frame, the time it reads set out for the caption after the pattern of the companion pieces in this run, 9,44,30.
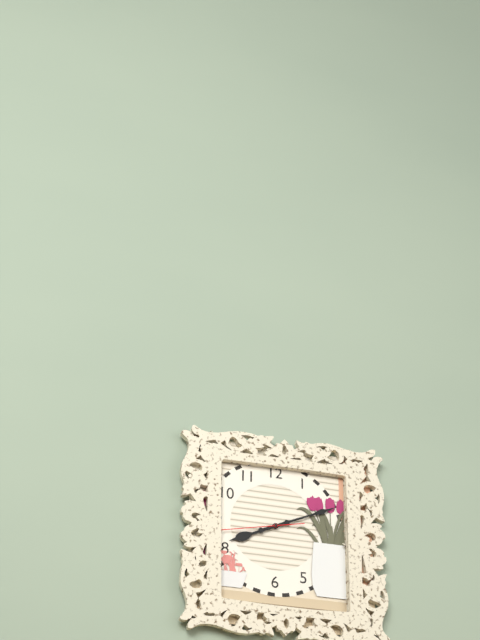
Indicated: 8,11,43
